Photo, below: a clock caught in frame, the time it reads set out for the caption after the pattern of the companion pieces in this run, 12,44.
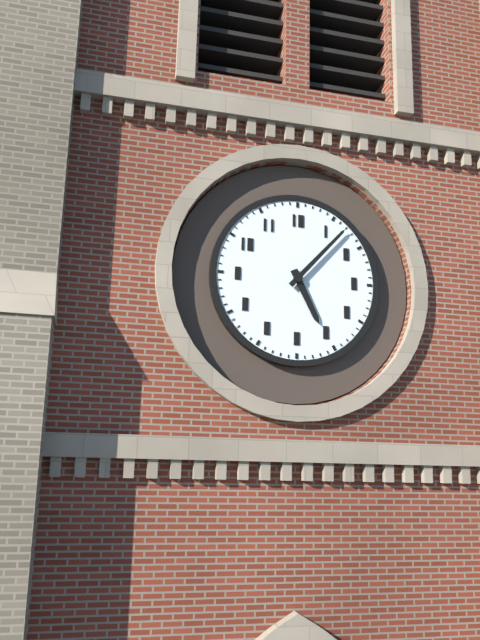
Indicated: 5,07
